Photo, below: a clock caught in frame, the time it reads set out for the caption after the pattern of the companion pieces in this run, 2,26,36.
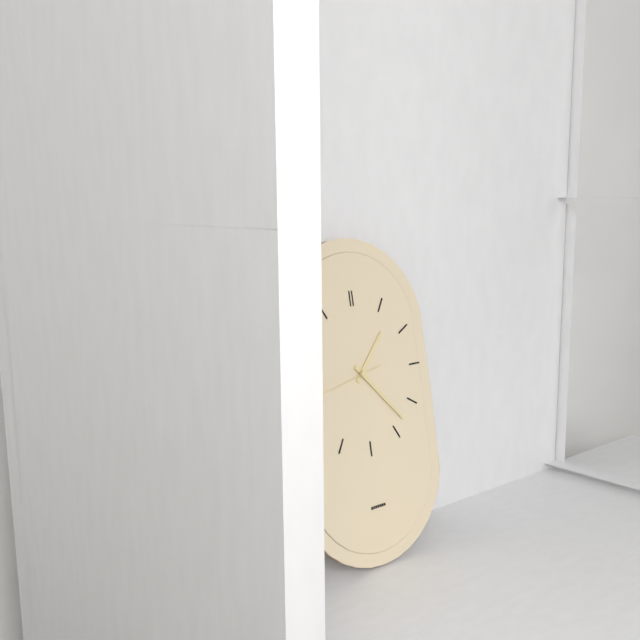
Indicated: 1,23,43
